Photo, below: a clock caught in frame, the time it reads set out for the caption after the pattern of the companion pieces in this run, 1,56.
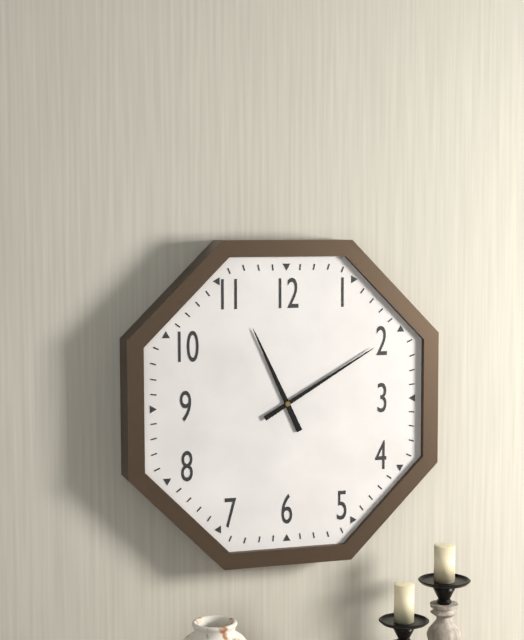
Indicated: 11,10
